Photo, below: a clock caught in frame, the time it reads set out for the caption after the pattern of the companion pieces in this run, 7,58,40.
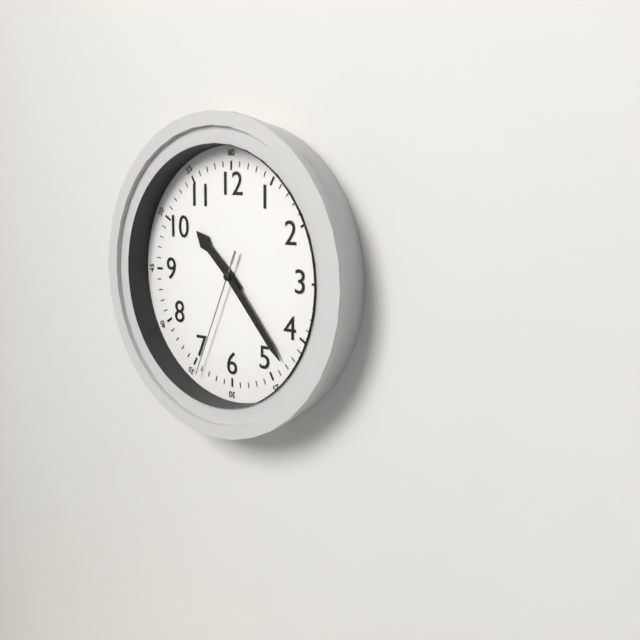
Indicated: 10,23,34
